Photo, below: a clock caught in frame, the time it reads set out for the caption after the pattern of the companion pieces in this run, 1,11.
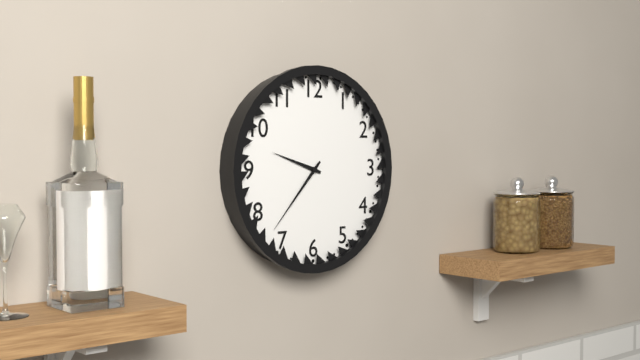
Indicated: 9,37
